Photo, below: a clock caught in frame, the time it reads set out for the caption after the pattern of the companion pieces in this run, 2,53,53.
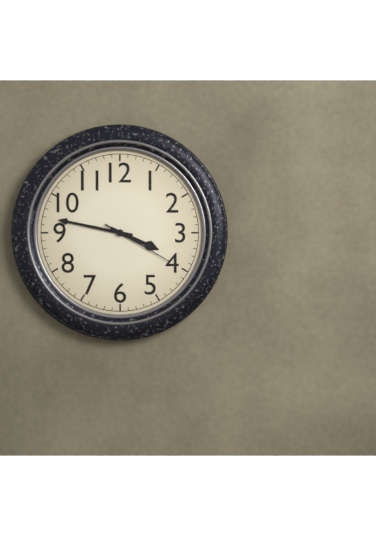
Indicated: 3,47,20
